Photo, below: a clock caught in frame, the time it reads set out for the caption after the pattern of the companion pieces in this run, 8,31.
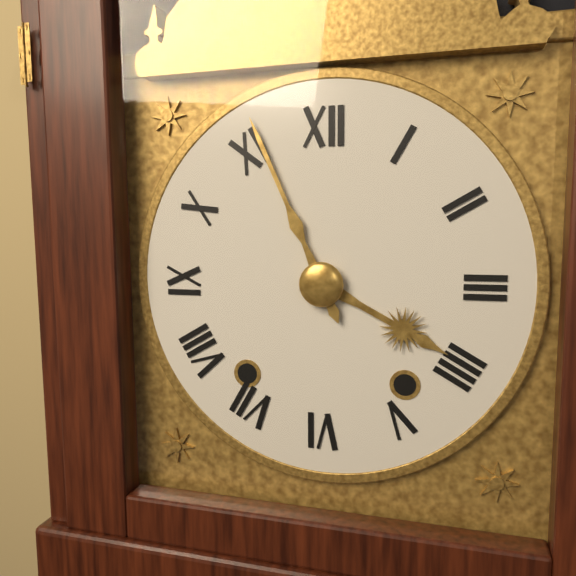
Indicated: 3,56
